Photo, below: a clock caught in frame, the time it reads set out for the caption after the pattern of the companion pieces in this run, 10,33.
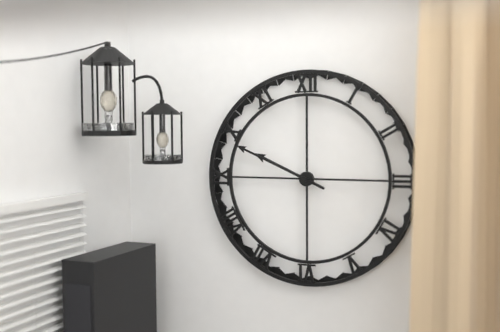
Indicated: 9,49
